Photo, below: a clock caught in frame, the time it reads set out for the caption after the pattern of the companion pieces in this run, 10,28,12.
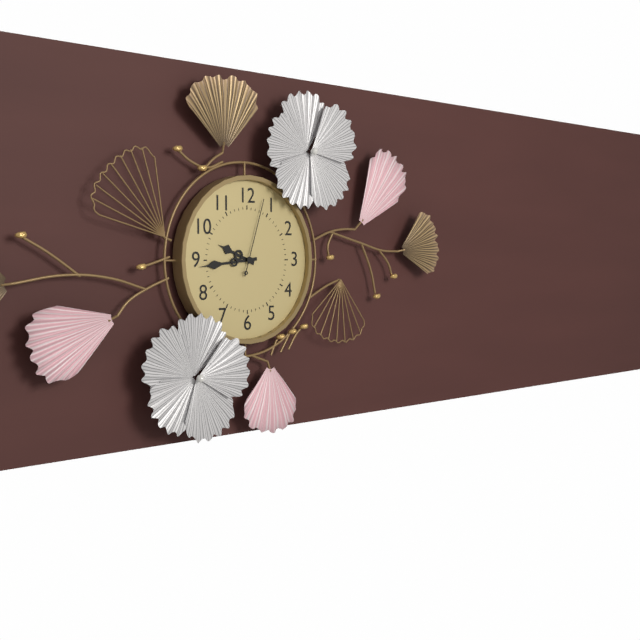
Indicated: 9,44,03
